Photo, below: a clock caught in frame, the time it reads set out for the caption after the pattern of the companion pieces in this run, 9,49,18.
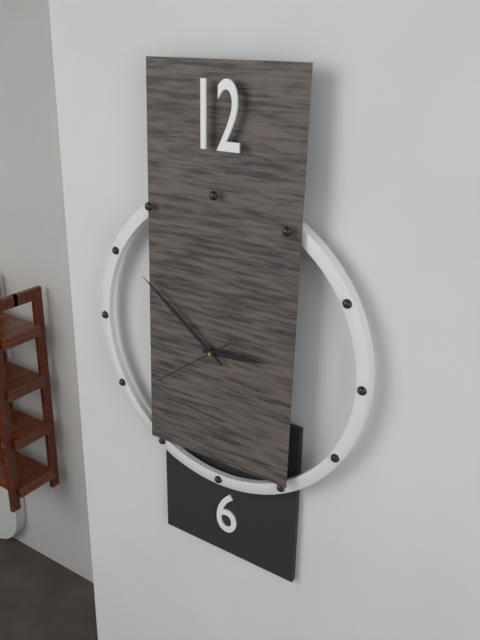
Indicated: 2,51,39
